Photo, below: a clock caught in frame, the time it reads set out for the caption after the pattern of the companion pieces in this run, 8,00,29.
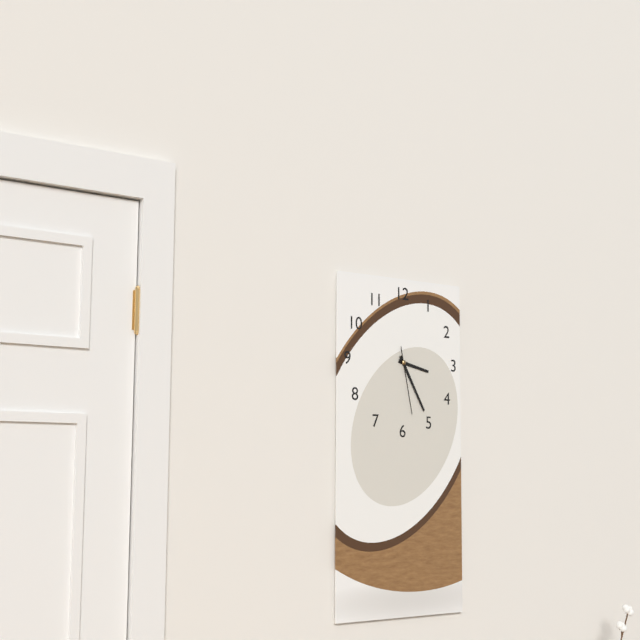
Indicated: 3,25,28
